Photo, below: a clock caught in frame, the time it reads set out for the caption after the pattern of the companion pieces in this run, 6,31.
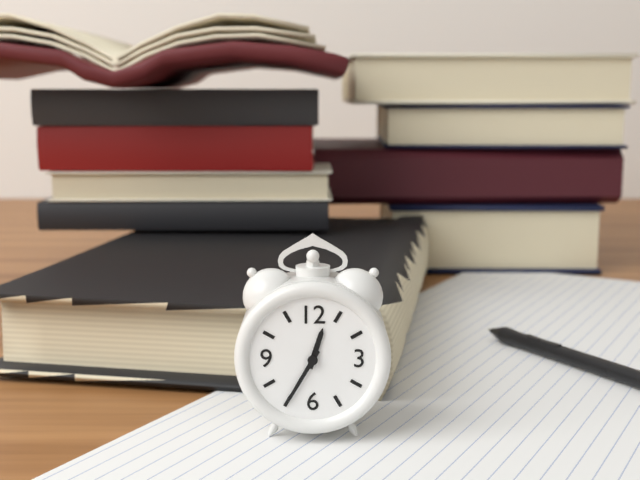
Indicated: 12,35
